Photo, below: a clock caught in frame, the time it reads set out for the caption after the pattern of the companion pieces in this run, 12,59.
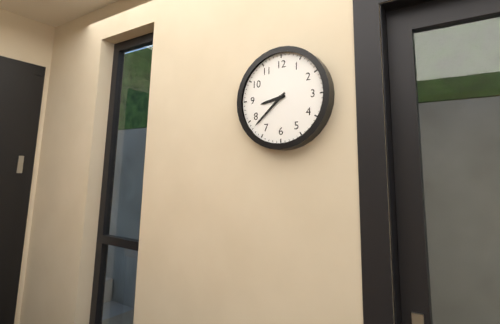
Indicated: 8,38
